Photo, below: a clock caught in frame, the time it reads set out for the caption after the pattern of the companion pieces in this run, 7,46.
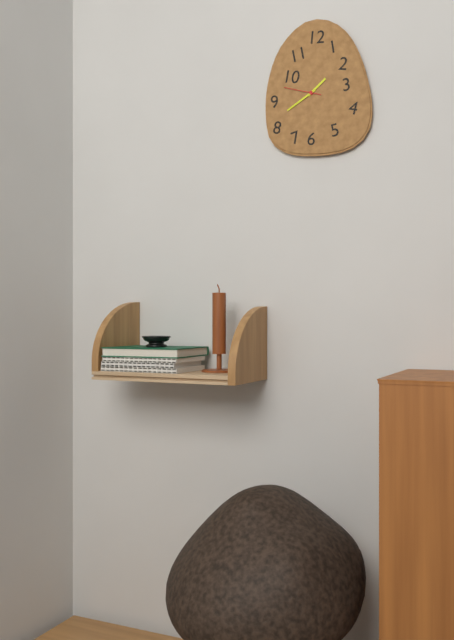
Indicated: 1,40
